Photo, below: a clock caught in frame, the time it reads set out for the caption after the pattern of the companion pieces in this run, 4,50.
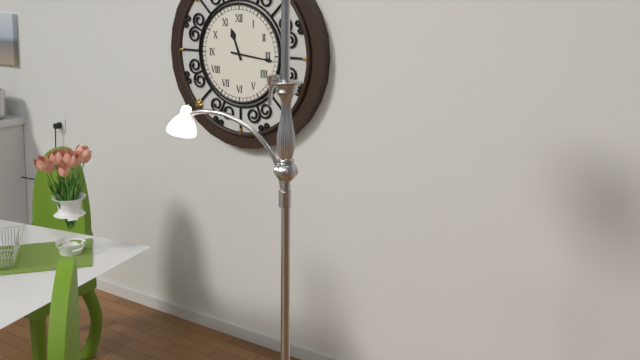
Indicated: 11,16
